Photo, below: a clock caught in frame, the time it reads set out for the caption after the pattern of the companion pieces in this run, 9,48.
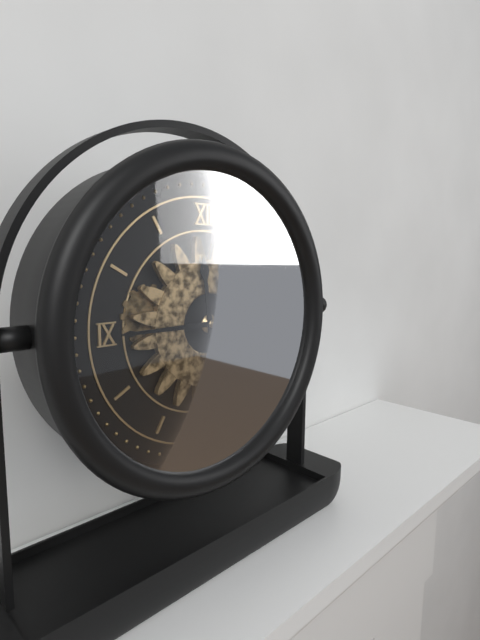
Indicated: 11,45
